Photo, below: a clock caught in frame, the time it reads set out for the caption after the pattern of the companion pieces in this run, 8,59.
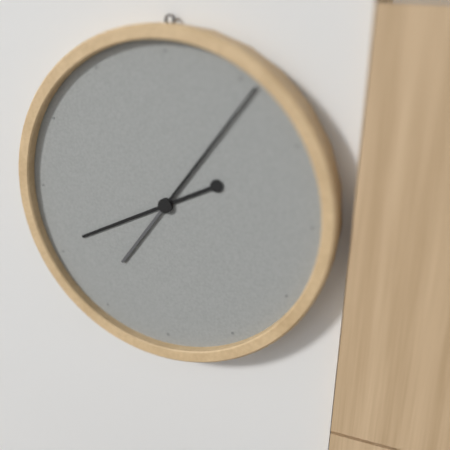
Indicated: 8,06
